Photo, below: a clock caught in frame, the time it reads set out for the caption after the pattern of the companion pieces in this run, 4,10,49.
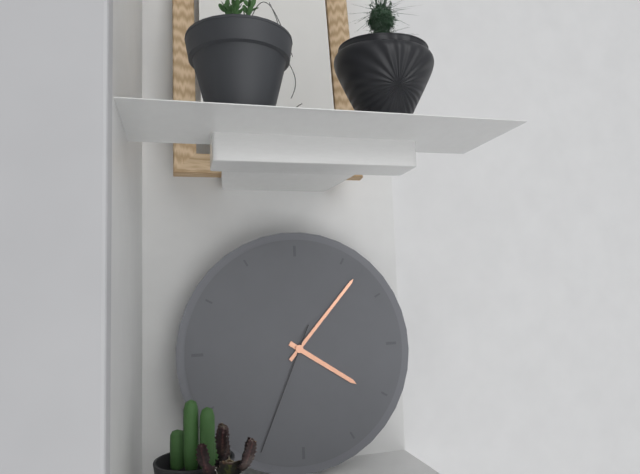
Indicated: 4,07,34
